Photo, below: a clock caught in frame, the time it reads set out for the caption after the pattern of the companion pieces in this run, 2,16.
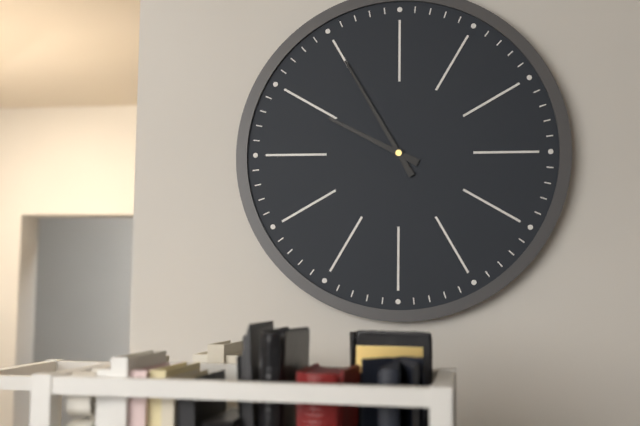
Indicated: 9,55
